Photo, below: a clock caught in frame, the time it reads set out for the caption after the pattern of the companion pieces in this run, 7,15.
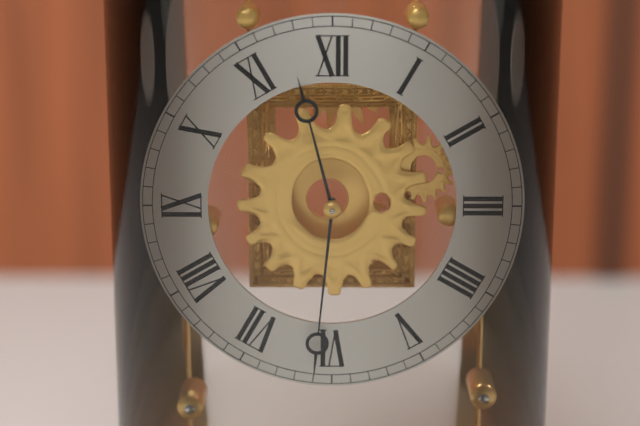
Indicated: 11,31
